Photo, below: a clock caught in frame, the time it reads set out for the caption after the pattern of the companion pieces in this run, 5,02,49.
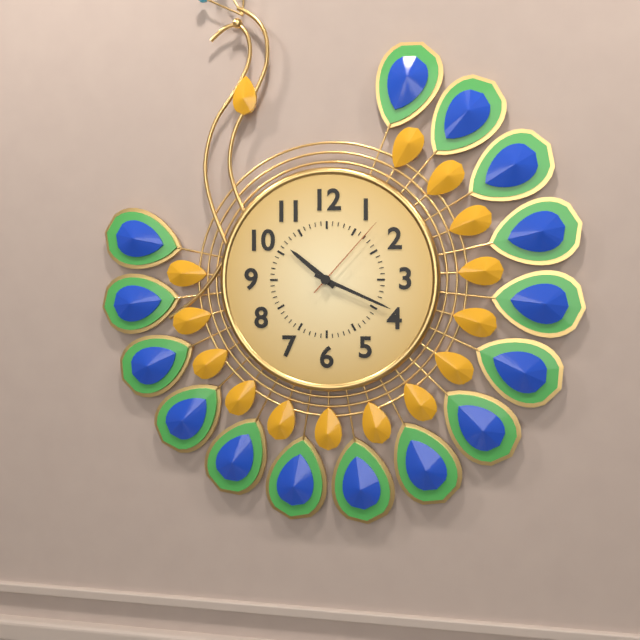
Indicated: 10,19,07
